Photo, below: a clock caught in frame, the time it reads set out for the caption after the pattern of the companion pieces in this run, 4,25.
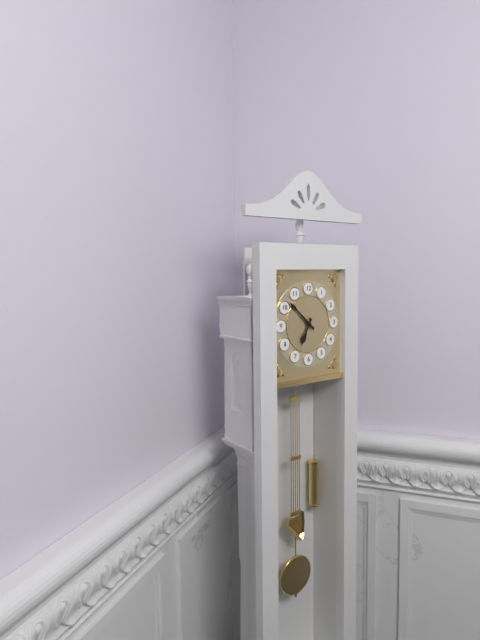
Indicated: 6,52
